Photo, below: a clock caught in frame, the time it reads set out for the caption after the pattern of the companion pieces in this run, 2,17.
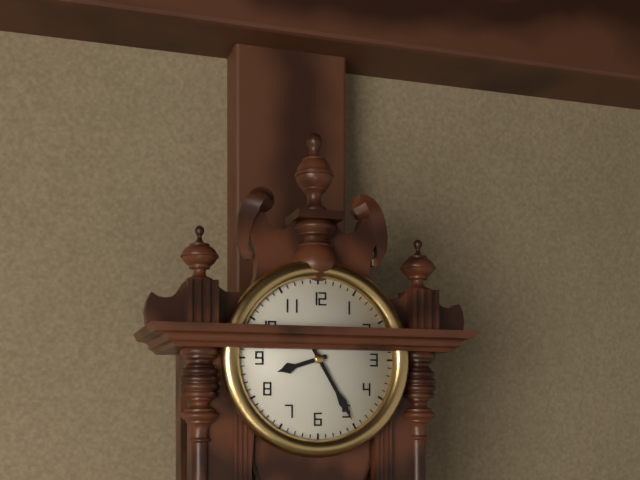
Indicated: 8,25
